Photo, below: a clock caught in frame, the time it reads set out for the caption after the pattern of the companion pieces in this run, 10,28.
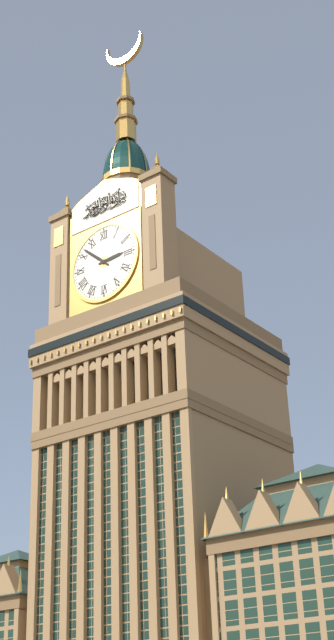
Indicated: 2,52
